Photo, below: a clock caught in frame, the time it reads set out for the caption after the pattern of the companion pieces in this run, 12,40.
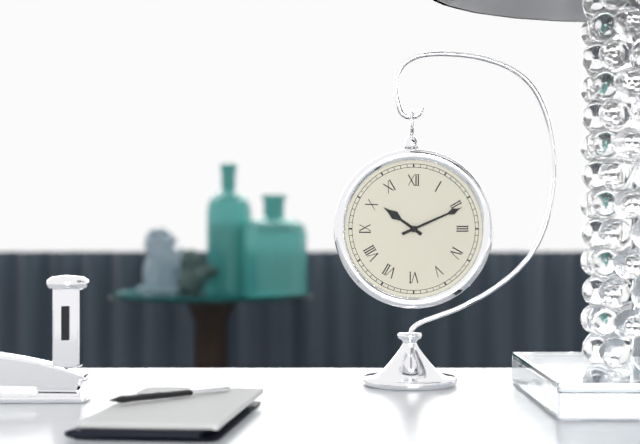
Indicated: 10,11
